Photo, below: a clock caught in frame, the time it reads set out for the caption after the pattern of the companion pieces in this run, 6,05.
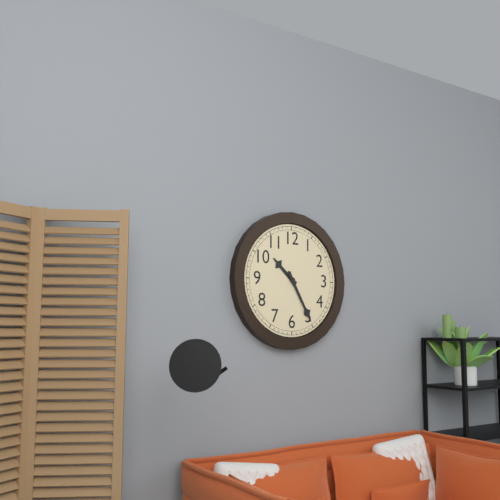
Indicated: 10,25
